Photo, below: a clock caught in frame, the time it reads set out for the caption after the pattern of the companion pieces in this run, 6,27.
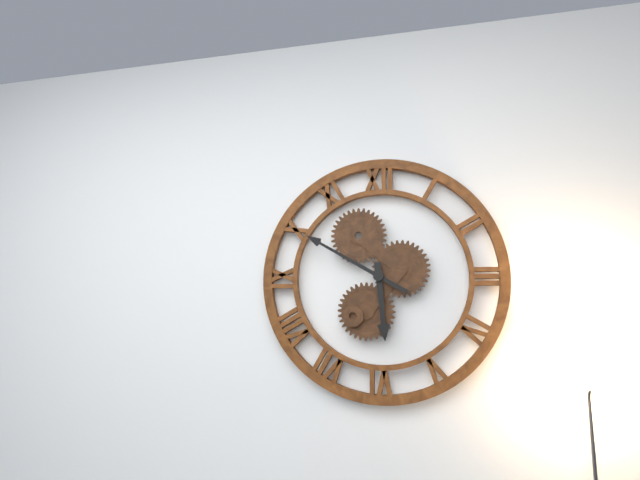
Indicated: 5,50
